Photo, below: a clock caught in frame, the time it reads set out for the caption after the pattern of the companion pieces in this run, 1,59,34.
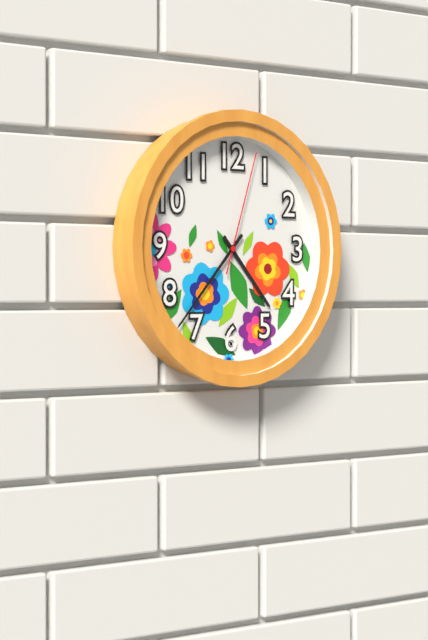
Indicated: 4,37,03
